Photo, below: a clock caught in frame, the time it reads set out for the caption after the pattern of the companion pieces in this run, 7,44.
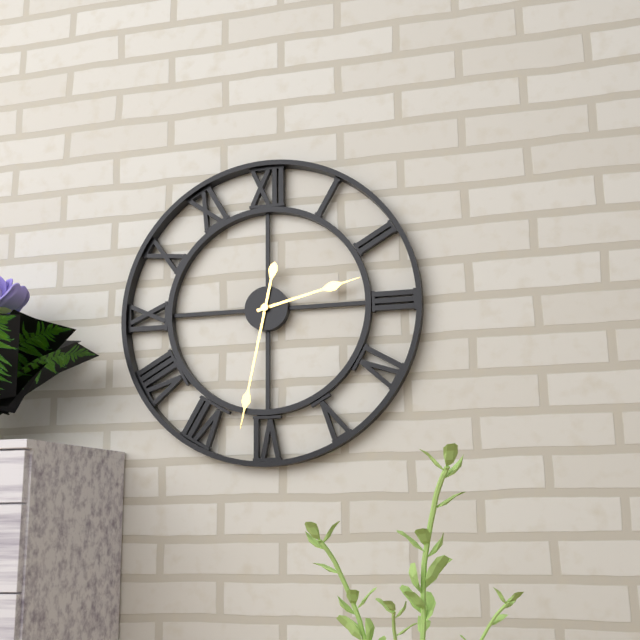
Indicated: 2,32
